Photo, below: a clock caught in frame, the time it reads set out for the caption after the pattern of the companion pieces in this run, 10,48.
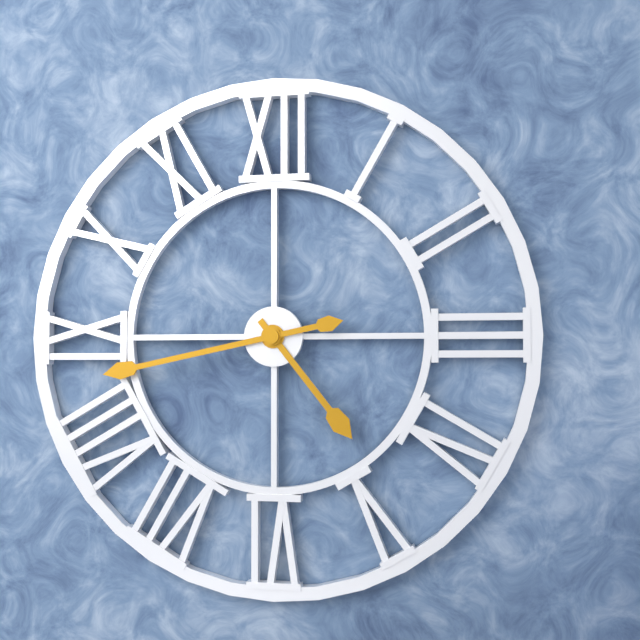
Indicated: 4,43
